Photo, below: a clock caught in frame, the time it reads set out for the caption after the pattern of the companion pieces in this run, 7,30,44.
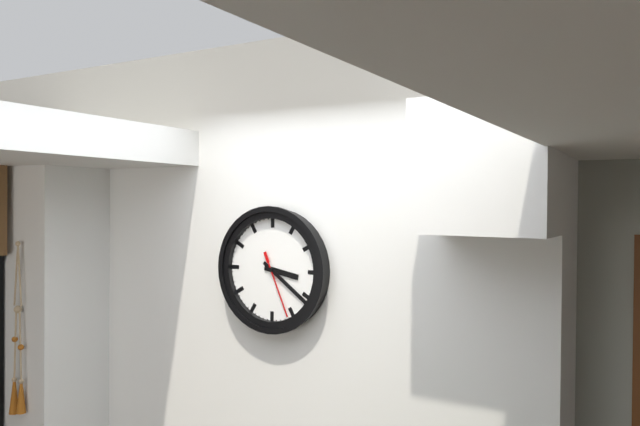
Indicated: 3,21,26
